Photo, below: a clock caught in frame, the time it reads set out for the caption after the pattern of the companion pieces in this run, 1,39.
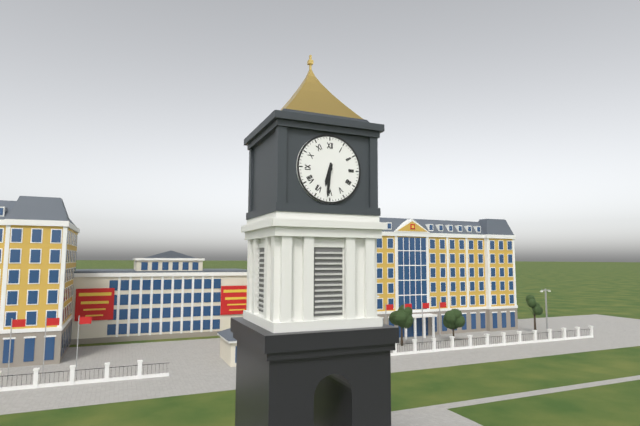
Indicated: 6,31
